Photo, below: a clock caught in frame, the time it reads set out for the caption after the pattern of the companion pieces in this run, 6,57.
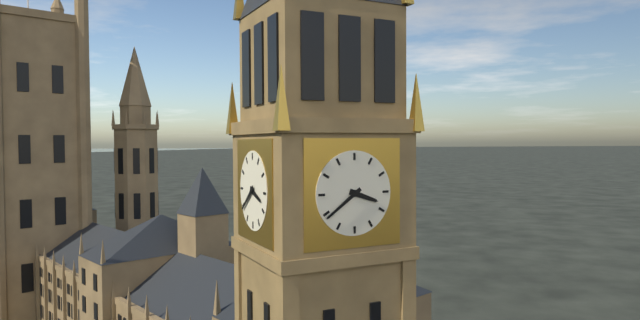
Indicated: 3,39
